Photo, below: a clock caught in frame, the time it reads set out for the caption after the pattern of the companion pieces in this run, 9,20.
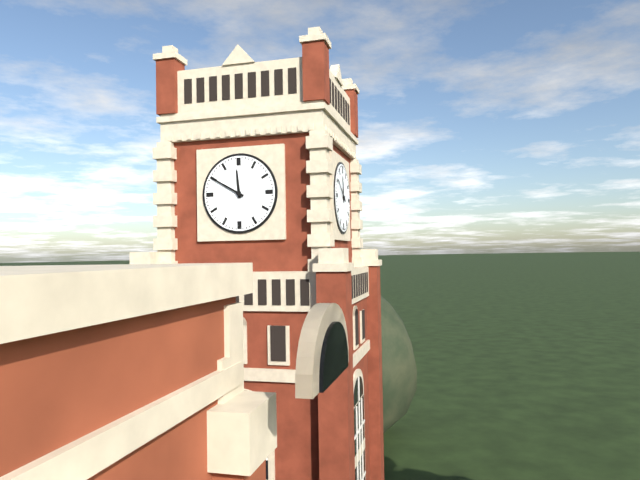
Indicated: 11,50
